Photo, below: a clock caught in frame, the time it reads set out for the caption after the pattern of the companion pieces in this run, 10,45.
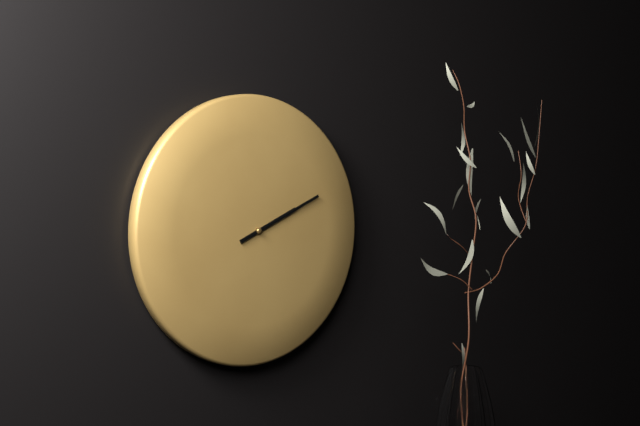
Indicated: 2,11
